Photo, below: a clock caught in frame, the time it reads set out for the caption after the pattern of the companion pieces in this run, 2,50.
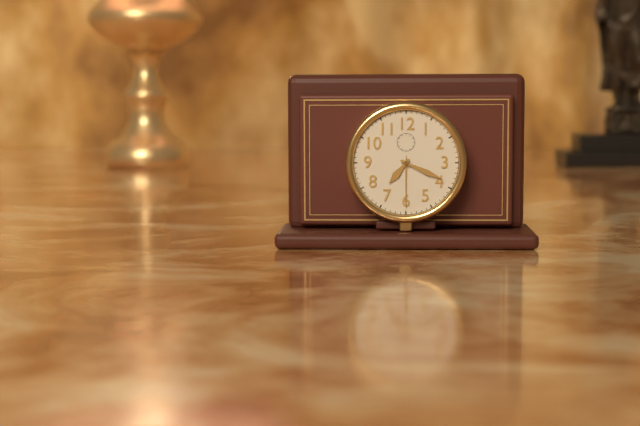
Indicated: 7,19
